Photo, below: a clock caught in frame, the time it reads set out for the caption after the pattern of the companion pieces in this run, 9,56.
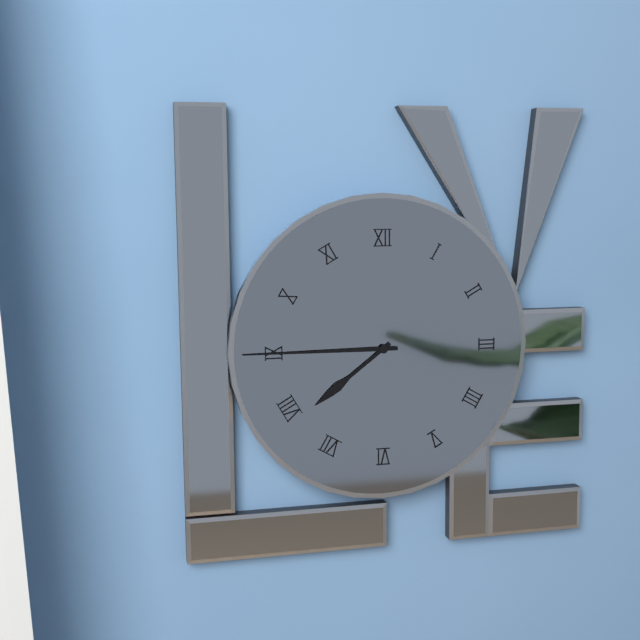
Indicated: 7,45
